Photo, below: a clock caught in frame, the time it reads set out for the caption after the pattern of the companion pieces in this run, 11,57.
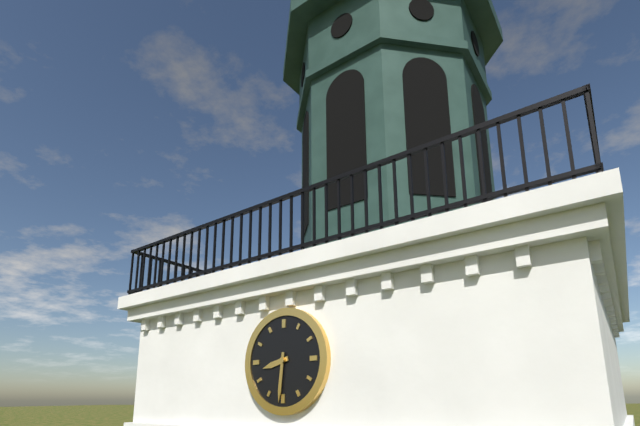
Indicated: 8,31
